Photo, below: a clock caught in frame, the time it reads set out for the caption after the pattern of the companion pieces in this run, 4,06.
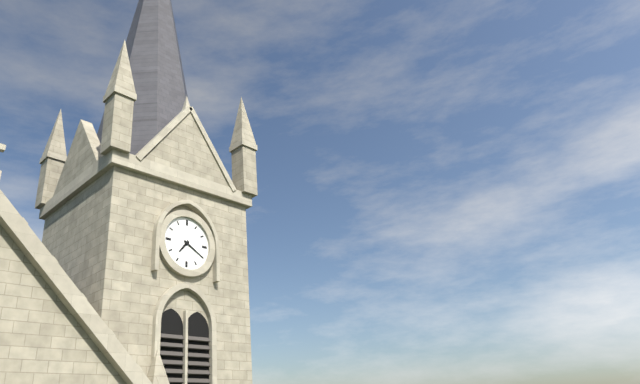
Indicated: 7,20
